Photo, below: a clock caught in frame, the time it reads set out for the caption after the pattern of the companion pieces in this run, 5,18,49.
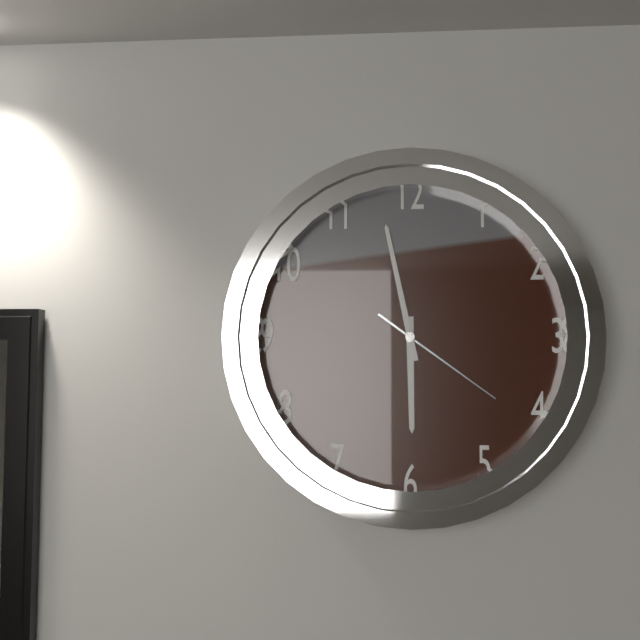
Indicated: 5,58,21
